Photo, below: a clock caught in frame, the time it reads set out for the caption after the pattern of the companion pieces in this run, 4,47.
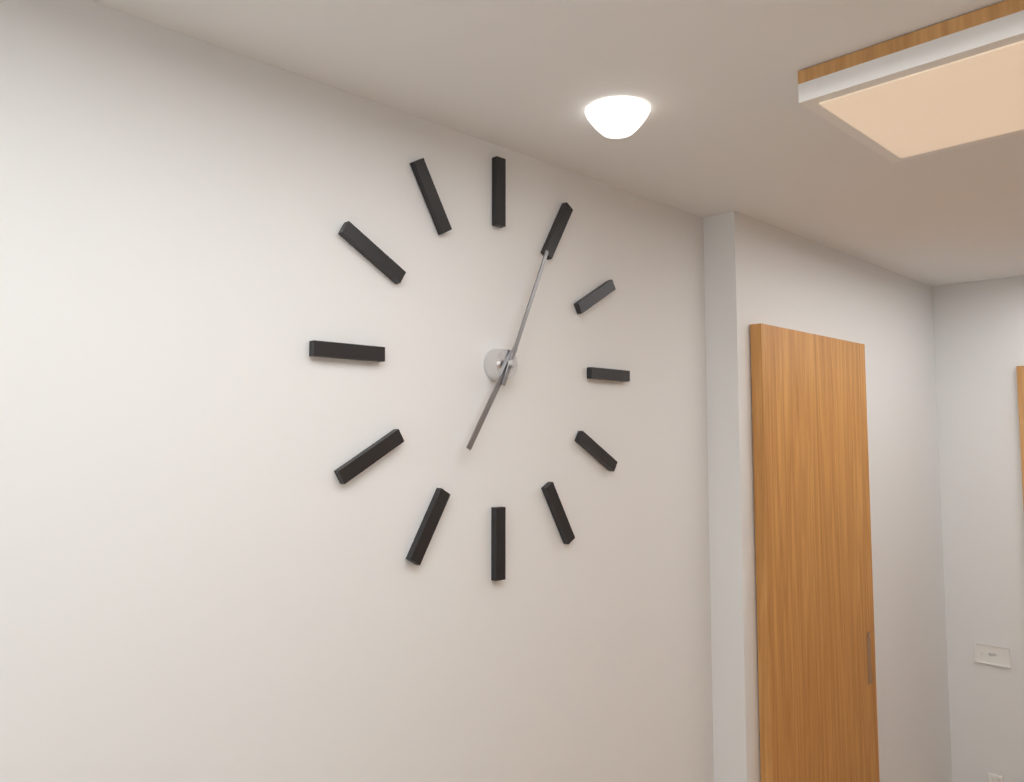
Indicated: 7,04
